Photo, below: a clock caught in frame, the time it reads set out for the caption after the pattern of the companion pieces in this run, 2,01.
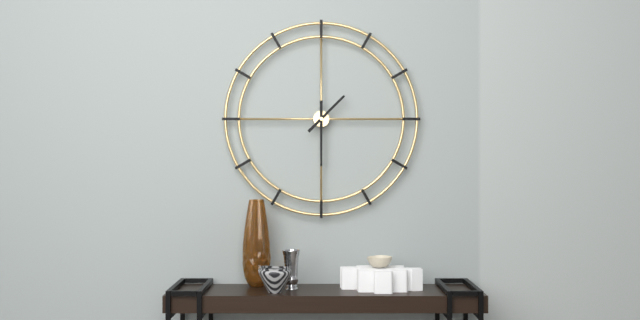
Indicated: 1,30
